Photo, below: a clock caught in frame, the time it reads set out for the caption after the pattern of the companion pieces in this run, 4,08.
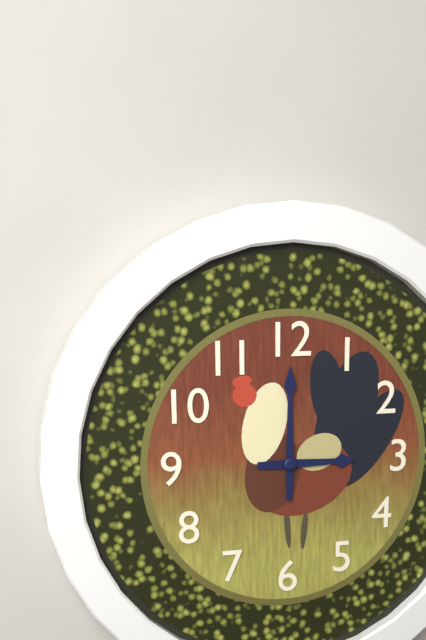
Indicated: 3,00
